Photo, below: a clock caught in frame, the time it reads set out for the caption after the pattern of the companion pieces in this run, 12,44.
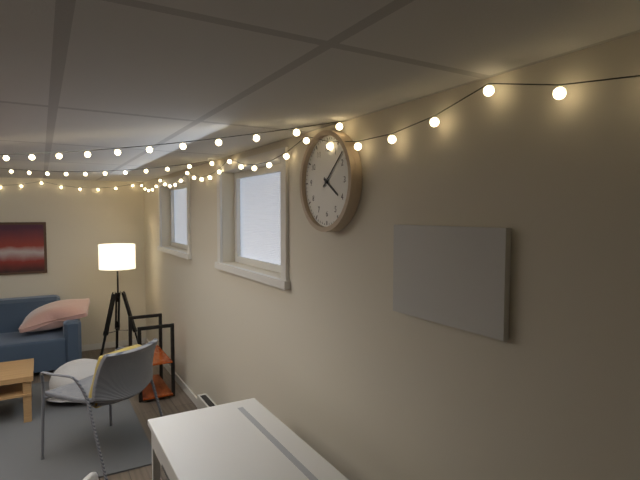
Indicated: 4,08
